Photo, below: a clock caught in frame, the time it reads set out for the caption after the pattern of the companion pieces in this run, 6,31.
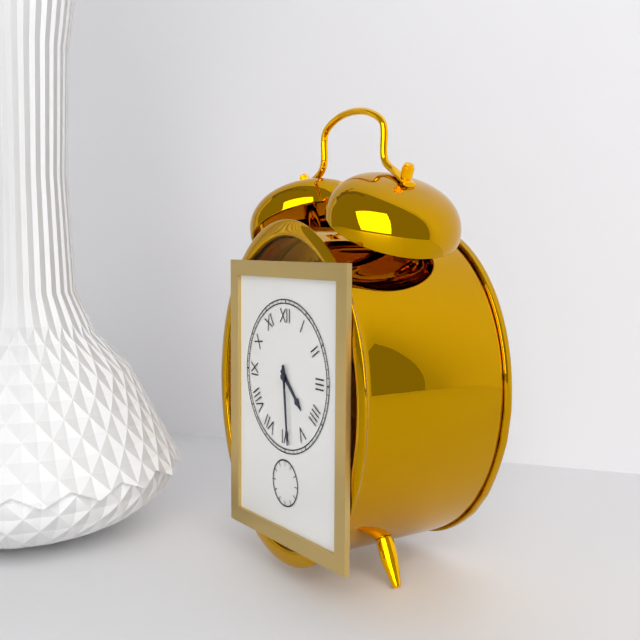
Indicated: 4,29
